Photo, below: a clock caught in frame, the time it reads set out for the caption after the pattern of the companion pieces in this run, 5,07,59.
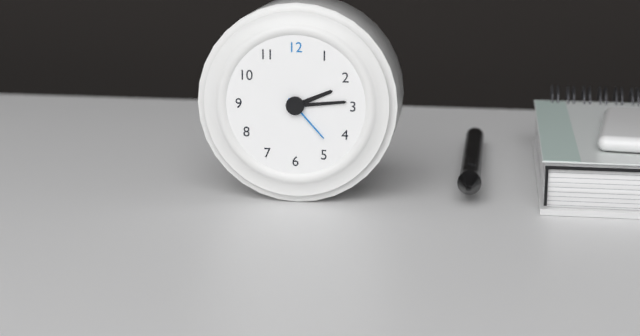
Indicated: 2,14,23
